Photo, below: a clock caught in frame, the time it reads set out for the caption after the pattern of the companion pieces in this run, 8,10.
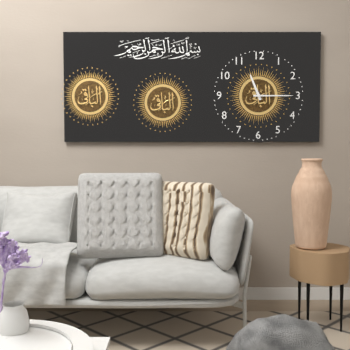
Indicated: 11,15
